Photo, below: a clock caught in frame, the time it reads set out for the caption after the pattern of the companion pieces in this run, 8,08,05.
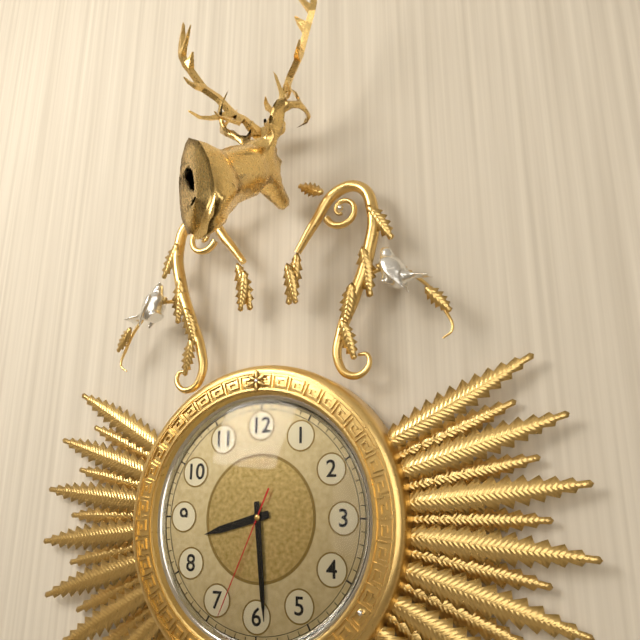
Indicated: 8,29,34
